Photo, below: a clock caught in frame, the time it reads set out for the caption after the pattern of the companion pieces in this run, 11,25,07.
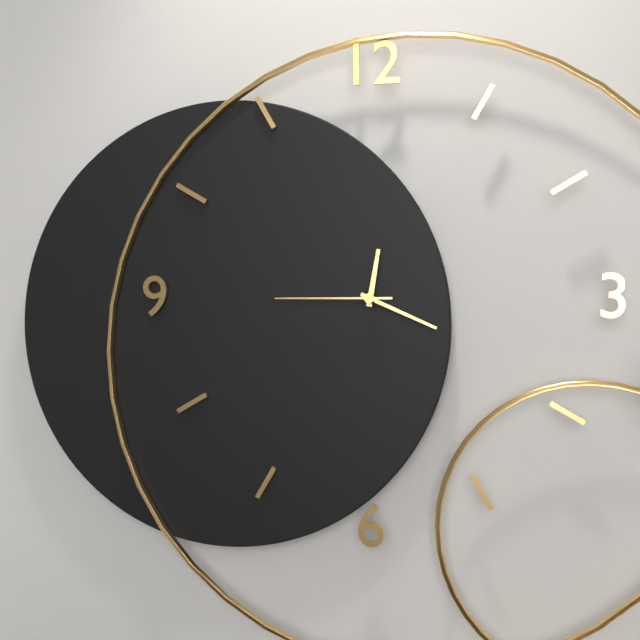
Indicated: 12,19,45
